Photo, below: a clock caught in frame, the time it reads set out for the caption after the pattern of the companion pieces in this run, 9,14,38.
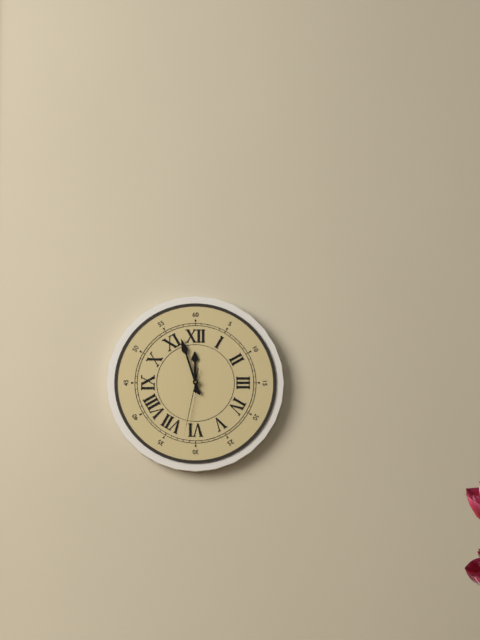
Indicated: 11,57,32
